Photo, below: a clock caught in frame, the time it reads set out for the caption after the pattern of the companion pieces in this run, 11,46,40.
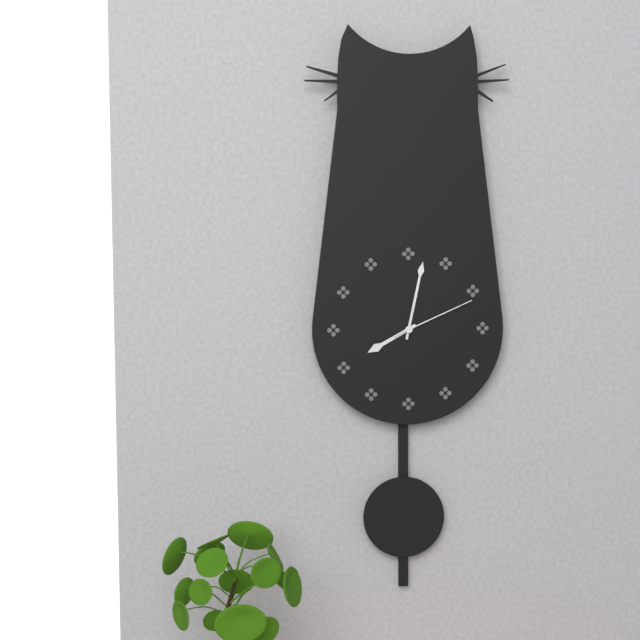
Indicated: 8,02,11
